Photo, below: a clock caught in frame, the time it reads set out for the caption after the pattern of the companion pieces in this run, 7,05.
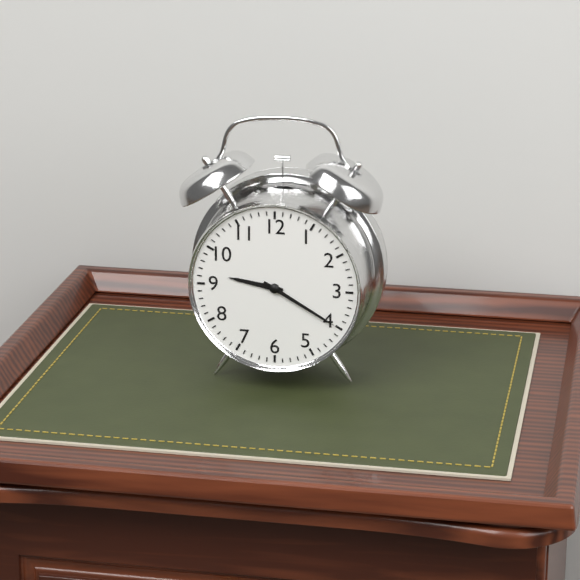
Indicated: 9,20
